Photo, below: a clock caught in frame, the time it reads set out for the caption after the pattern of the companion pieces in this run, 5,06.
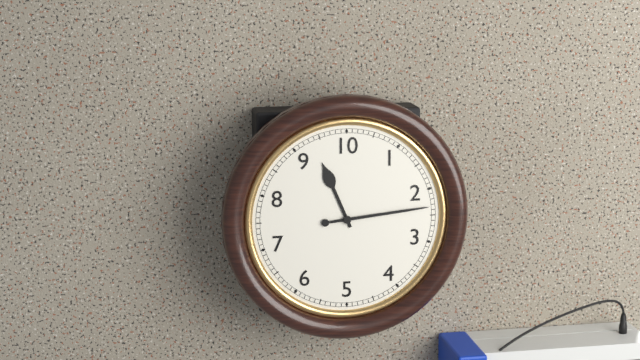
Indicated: 11,14
